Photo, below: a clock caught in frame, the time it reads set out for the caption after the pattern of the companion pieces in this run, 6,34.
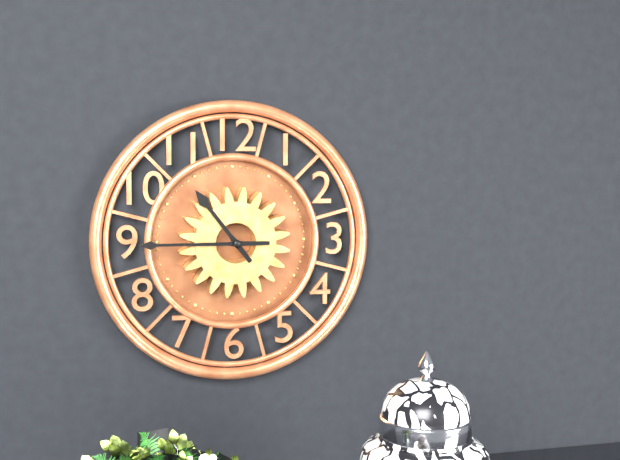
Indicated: 10,45
